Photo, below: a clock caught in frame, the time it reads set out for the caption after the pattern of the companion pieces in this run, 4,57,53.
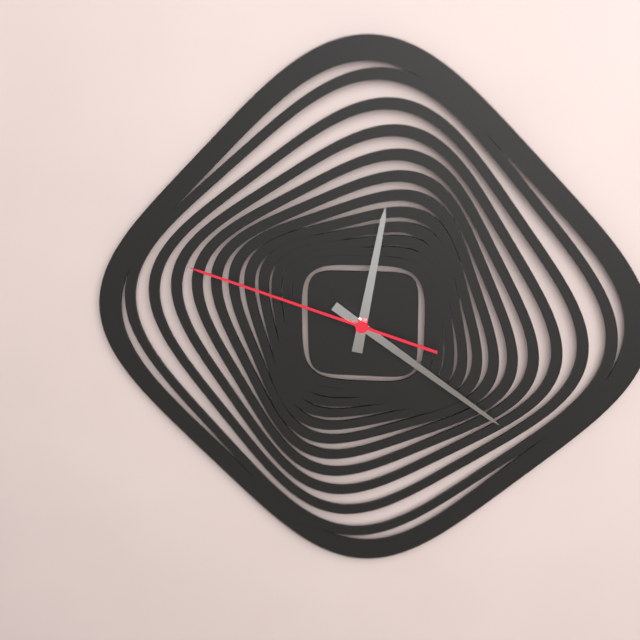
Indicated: 12,21,48
